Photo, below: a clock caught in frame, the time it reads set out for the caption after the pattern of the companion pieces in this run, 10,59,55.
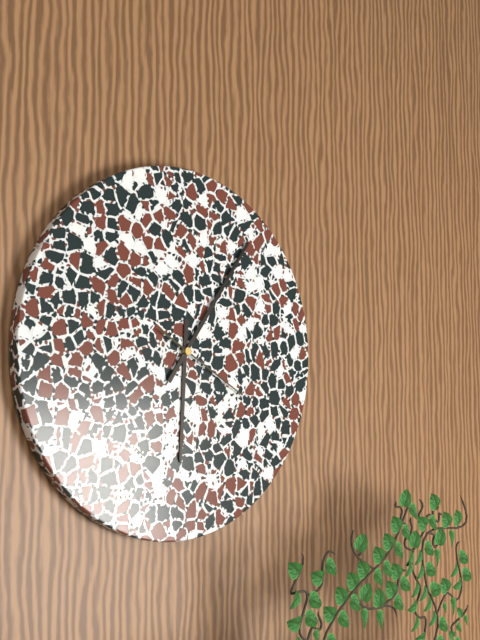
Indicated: 6,06,20
